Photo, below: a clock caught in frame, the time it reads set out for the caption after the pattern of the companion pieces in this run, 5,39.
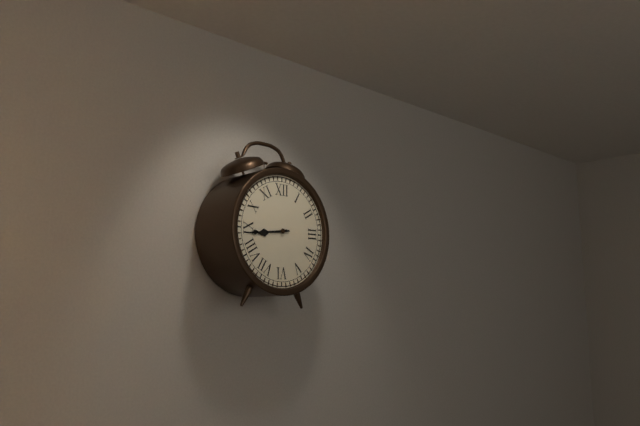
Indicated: 8,44
